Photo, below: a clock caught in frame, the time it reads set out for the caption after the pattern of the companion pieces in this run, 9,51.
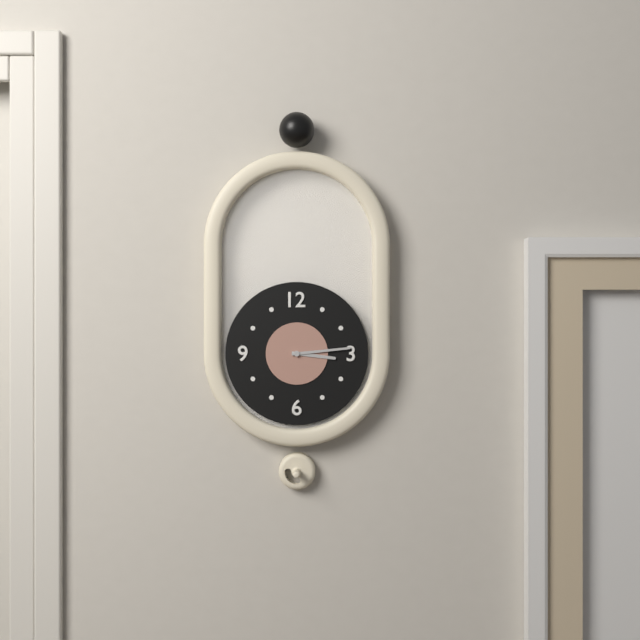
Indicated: 3,14
